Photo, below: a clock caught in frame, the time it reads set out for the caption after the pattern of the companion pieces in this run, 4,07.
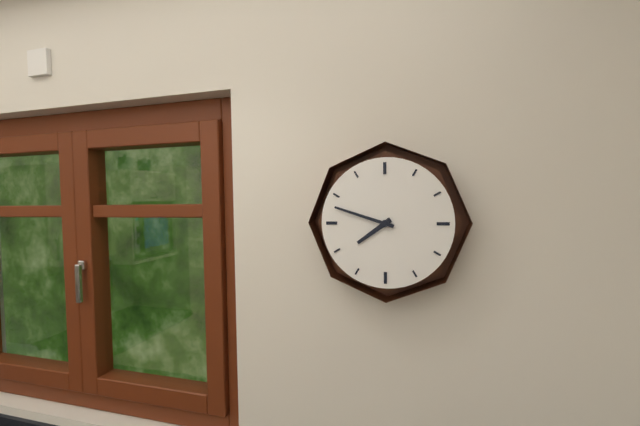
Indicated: 7,48
